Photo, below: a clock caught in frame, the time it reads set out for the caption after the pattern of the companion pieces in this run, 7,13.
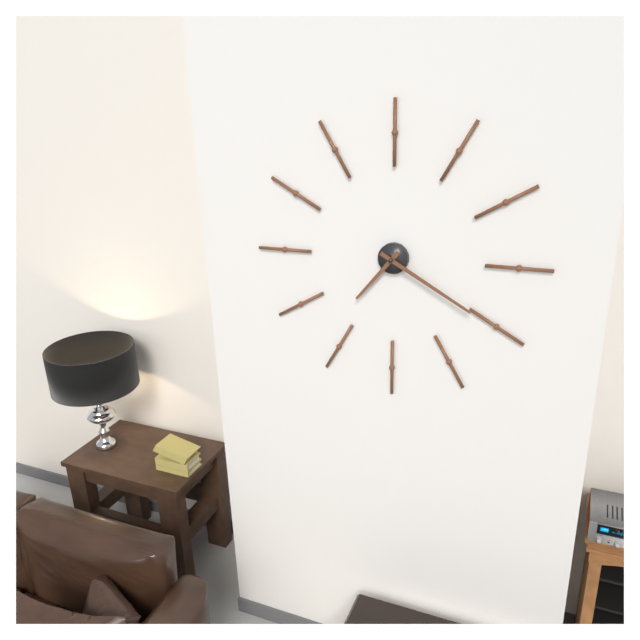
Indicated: 7,20
